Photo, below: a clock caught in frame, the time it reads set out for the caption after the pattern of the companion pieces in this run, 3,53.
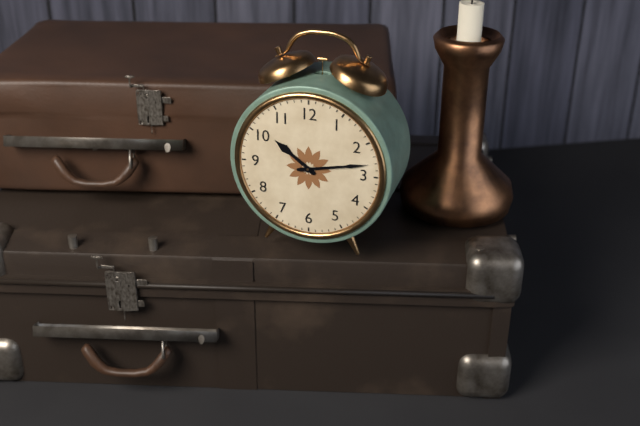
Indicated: 10,13
